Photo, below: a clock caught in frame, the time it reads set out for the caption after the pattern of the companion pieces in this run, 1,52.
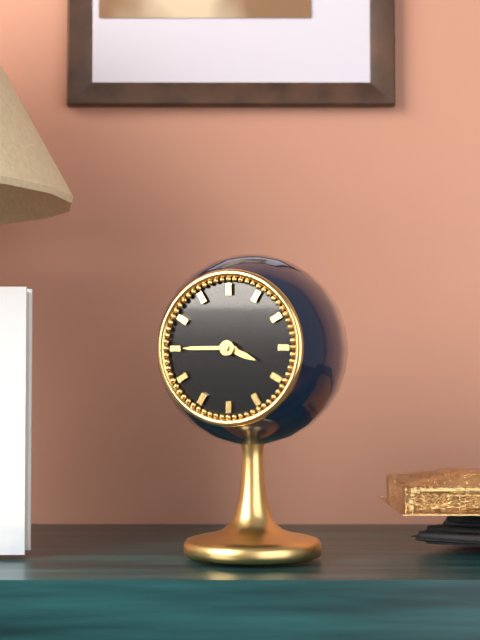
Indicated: 3,45
